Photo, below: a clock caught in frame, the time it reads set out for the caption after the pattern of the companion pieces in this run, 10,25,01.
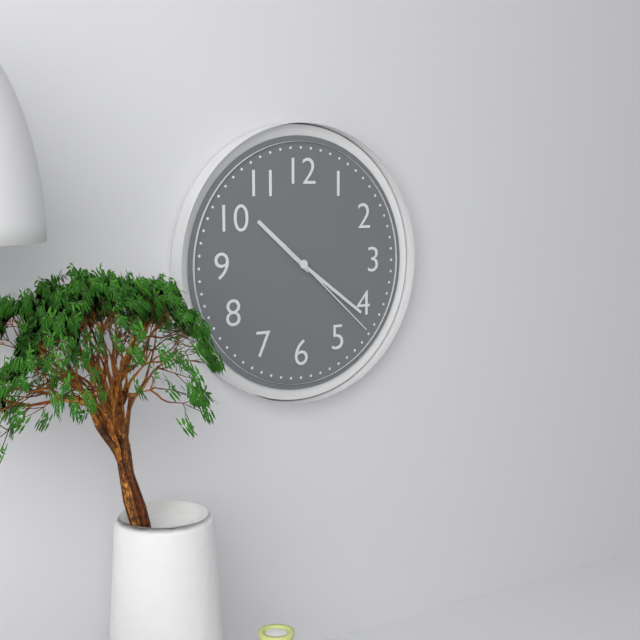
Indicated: 10,21,22
